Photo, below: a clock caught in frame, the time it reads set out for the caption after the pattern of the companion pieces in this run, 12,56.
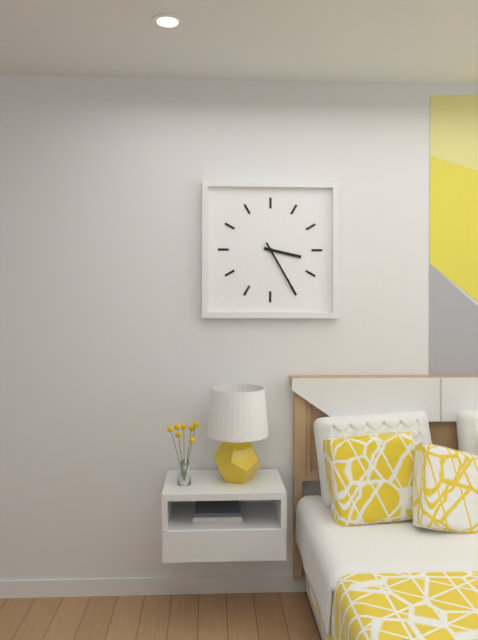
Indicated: 3,25
